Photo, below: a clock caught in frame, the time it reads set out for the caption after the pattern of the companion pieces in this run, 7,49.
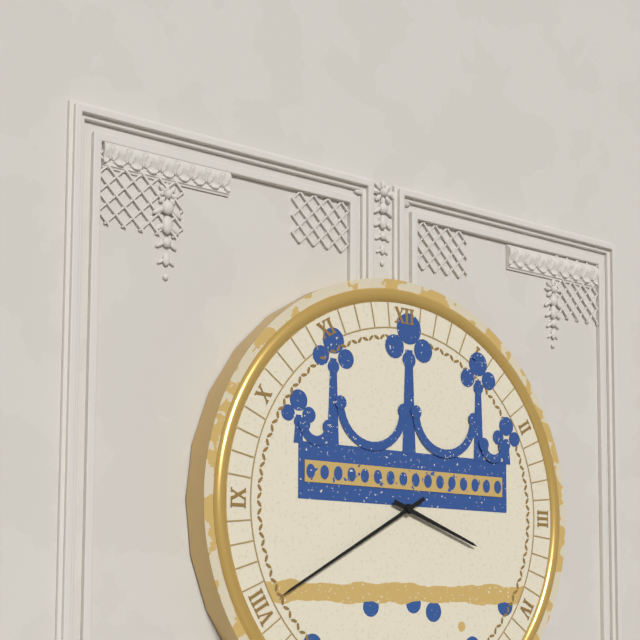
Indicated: 3,40
